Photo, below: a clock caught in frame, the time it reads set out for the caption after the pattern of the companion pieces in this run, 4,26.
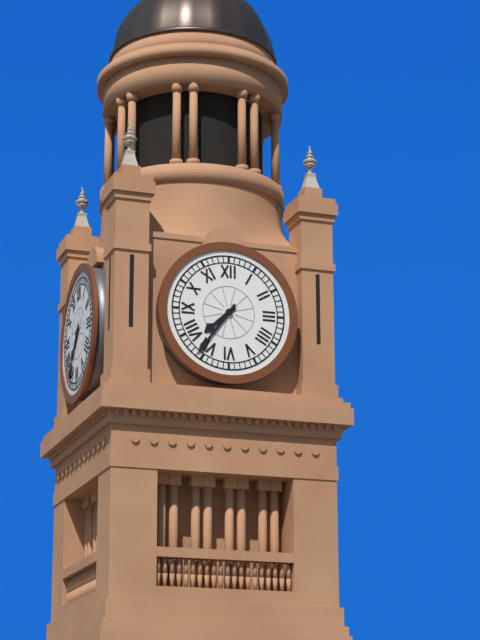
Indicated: 7,36
